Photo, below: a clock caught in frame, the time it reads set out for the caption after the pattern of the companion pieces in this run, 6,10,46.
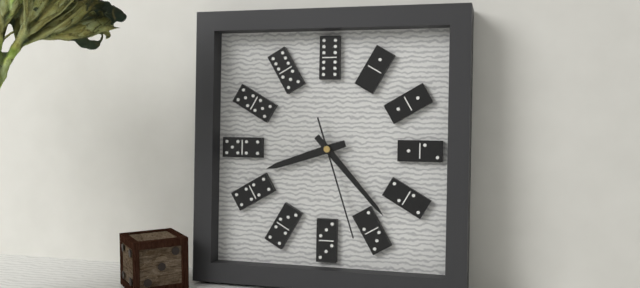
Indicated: 8,23,27
